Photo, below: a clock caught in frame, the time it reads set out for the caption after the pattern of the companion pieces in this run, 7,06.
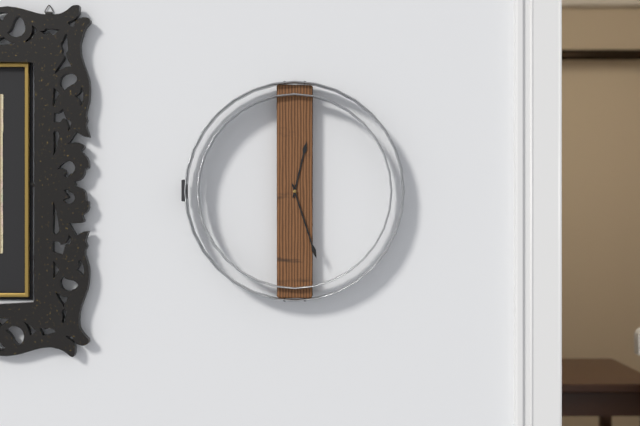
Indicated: 12,27
